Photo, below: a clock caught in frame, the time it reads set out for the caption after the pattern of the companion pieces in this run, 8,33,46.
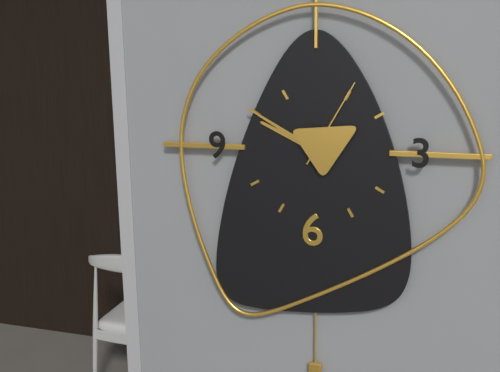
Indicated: 9,50,05
